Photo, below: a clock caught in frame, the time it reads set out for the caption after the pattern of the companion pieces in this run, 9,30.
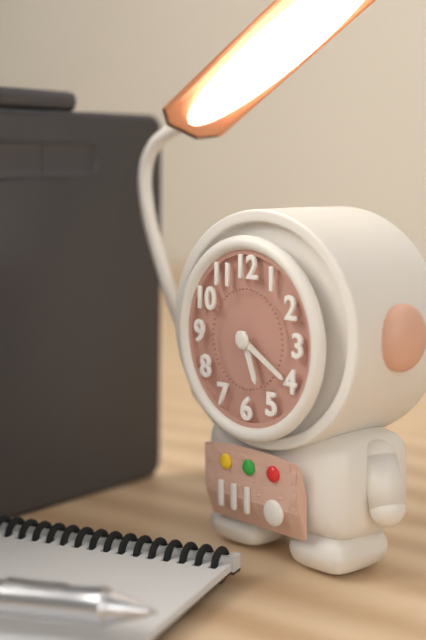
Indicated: 5,20
